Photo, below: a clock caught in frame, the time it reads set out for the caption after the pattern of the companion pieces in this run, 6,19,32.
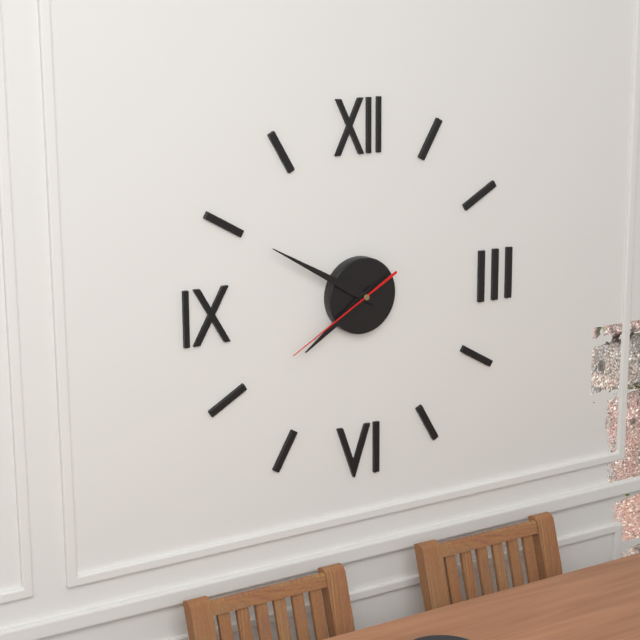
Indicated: 7,50,40
